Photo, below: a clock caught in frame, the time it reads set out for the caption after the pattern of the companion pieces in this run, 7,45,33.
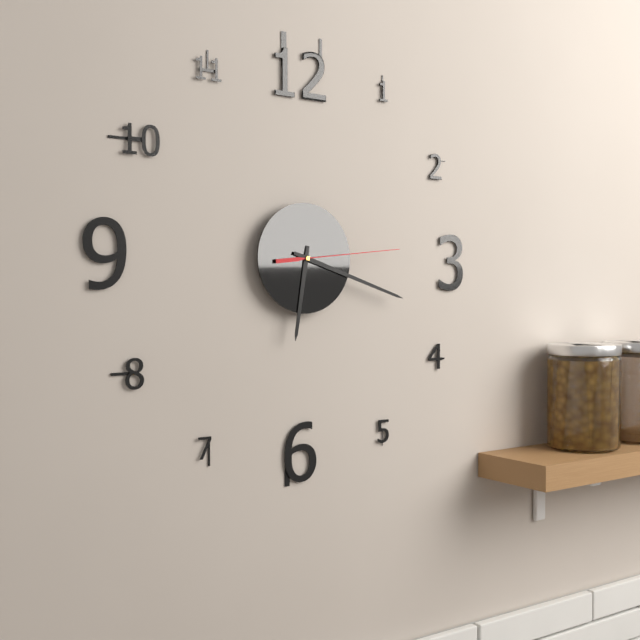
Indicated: 6,18,14
